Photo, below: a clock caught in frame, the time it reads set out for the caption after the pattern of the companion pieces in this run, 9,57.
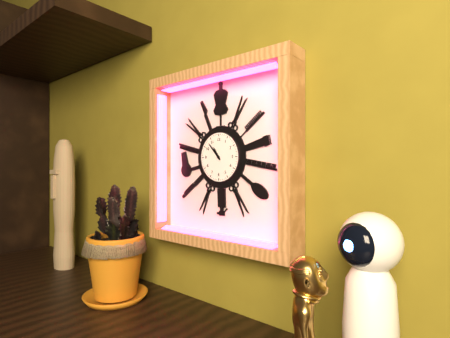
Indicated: 10,53
